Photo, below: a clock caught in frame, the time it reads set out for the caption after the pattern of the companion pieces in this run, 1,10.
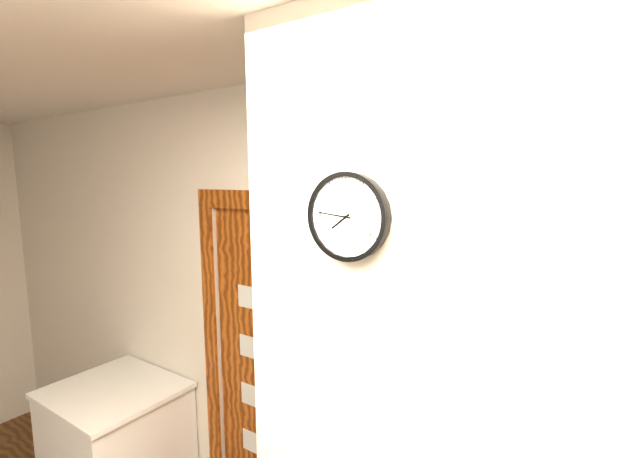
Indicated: 7,46
